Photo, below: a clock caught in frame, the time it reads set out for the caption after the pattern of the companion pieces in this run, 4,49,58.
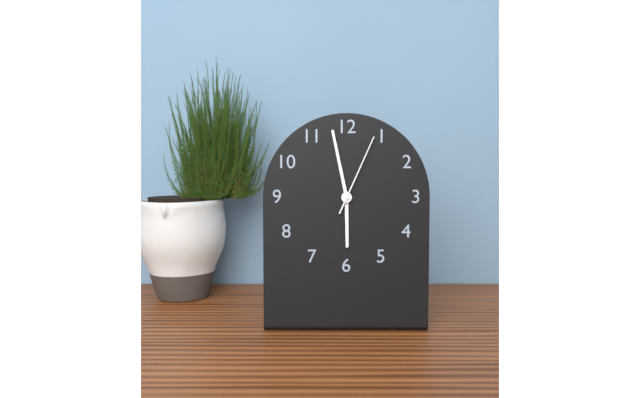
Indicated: 5,58,04
